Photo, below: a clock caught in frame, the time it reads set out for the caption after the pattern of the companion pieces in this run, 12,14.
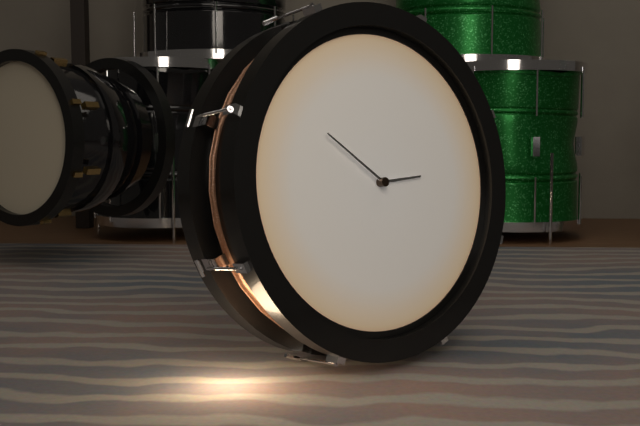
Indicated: 2,51
